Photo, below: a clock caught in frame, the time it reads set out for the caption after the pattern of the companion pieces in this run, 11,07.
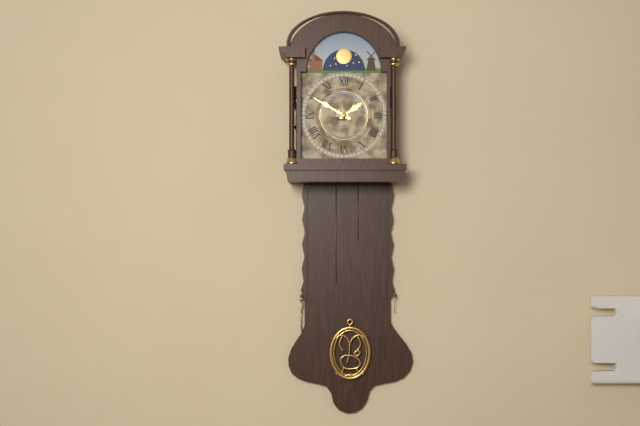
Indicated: 1,50
